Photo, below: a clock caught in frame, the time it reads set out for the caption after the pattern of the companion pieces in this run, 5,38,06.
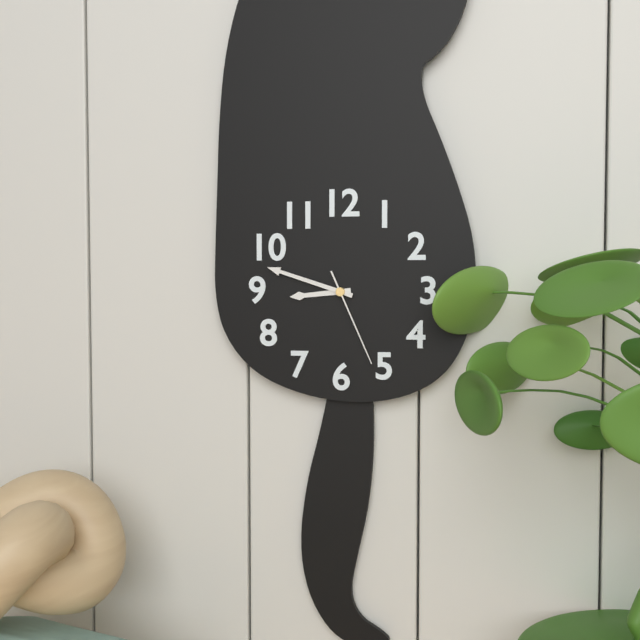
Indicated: 8,48,26
